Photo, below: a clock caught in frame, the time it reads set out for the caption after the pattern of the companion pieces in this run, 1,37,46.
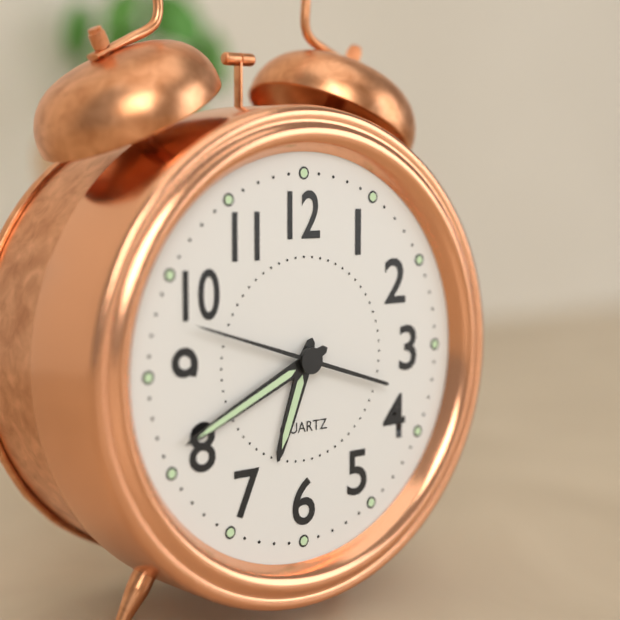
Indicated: 6,41,48
